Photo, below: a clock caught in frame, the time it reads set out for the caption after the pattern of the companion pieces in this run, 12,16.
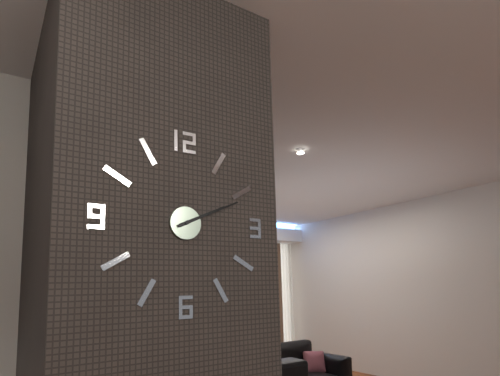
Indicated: 2,11
